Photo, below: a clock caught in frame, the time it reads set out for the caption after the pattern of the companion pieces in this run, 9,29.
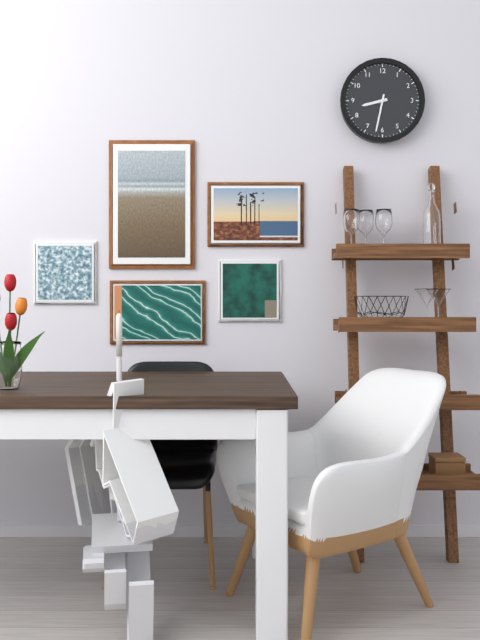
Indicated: 8,32
